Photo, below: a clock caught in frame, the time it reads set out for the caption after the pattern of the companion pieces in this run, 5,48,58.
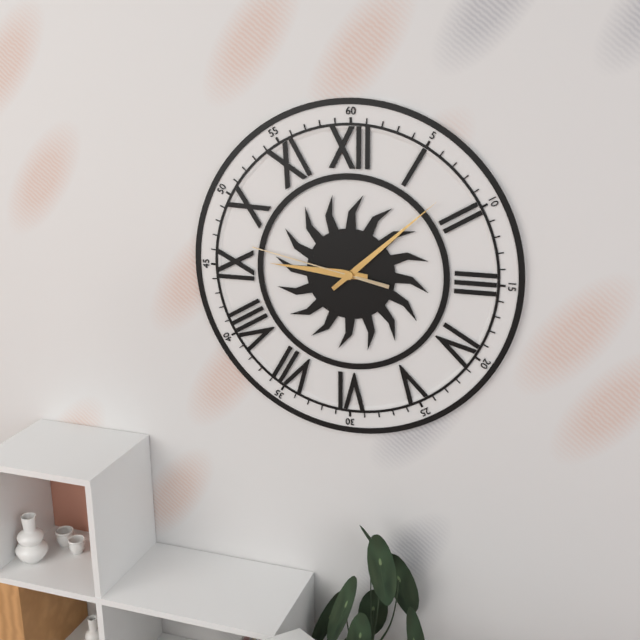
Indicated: 9,08,47
